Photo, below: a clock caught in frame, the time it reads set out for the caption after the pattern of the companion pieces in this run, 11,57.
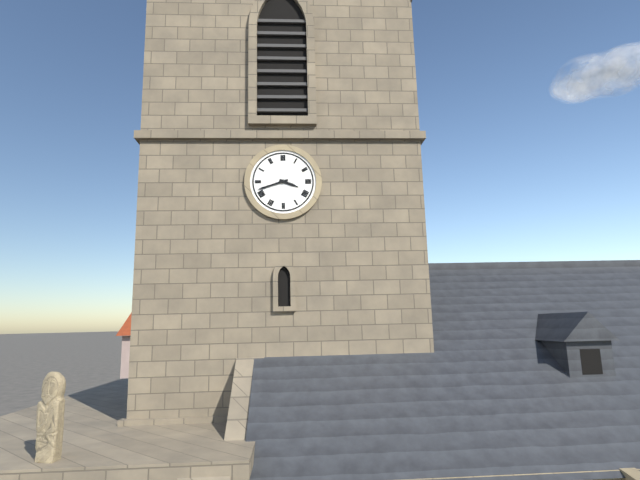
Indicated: 3,42
